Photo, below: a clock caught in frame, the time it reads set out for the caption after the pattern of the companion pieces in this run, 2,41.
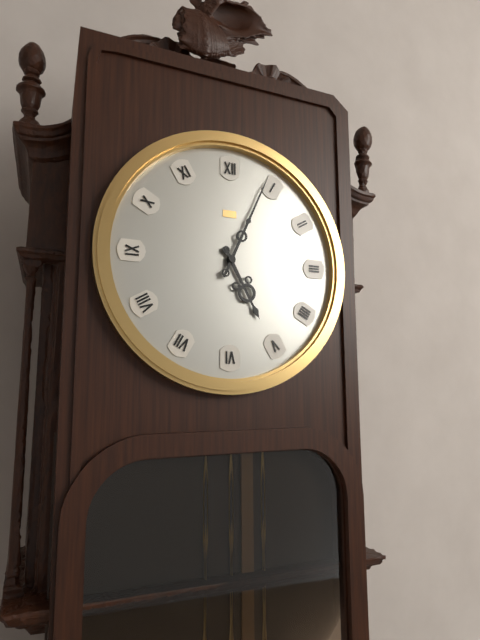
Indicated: 5,04
